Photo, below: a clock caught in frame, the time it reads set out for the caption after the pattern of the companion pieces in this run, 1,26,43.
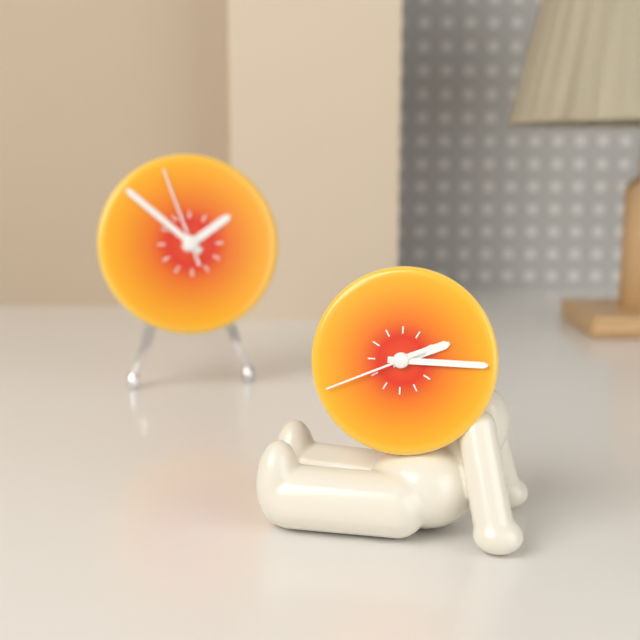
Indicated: 2,15,41
